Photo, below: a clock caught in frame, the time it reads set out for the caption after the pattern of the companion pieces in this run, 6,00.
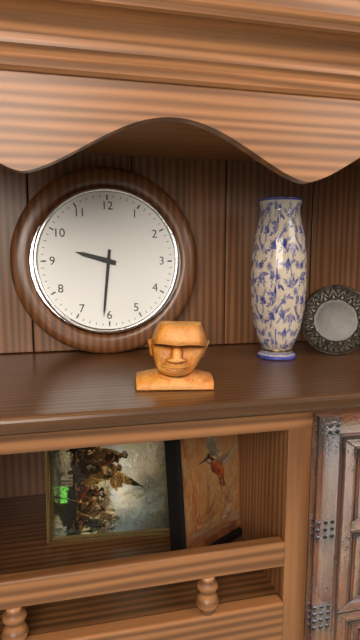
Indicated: 9,31
